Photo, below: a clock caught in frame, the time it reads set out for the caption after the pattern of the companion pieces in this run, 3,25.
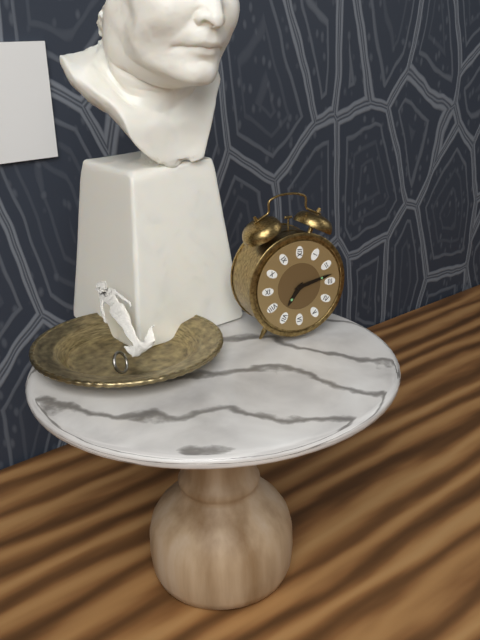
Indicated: 7,13
